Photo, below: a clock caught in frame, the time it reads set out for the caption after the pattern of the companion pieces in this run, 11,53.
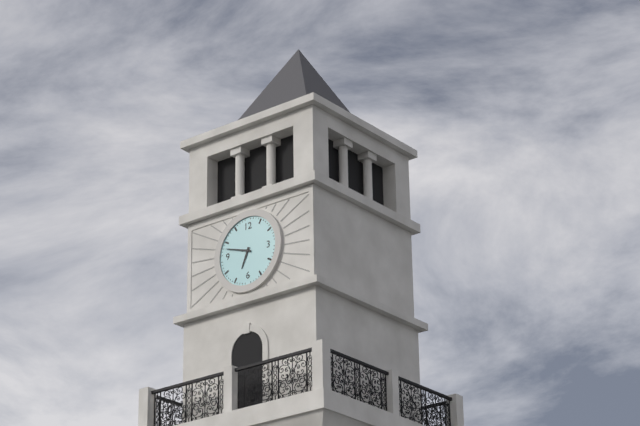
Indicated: 6,48
